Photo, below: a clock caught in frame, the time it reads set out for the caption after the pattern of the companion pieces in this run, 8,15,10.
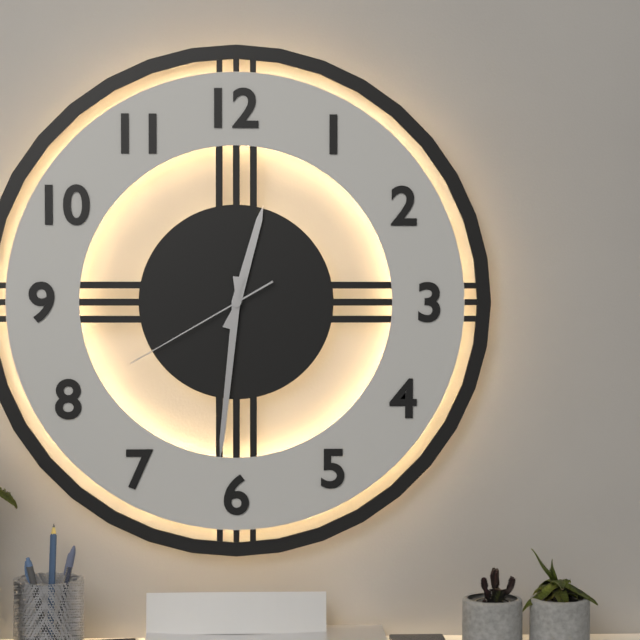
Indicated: 12,31,40
